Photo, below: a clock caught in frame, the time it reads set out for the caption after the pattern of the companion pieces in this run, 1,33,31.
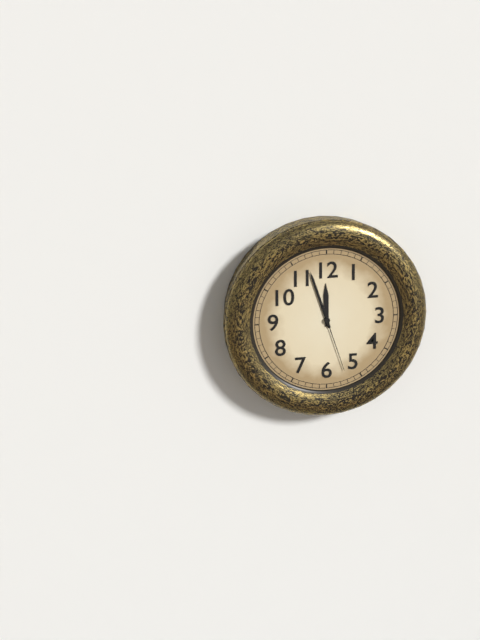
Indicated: 11,57,27
